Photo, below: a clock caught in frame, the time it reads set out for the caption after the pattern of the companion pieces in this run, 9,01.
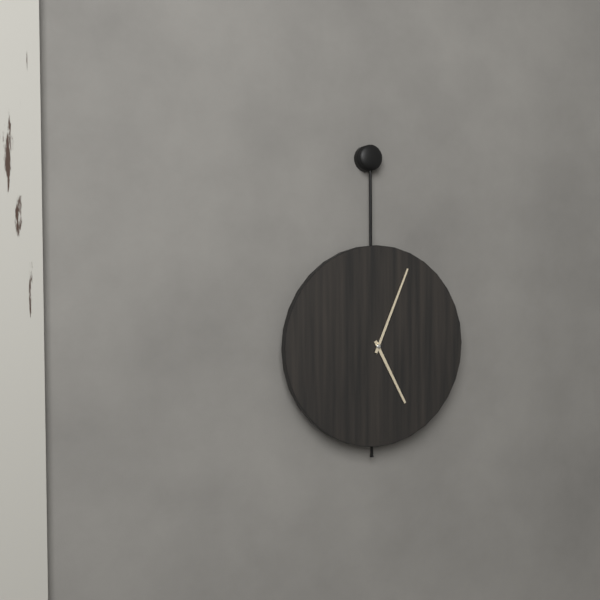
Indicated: 5,04
